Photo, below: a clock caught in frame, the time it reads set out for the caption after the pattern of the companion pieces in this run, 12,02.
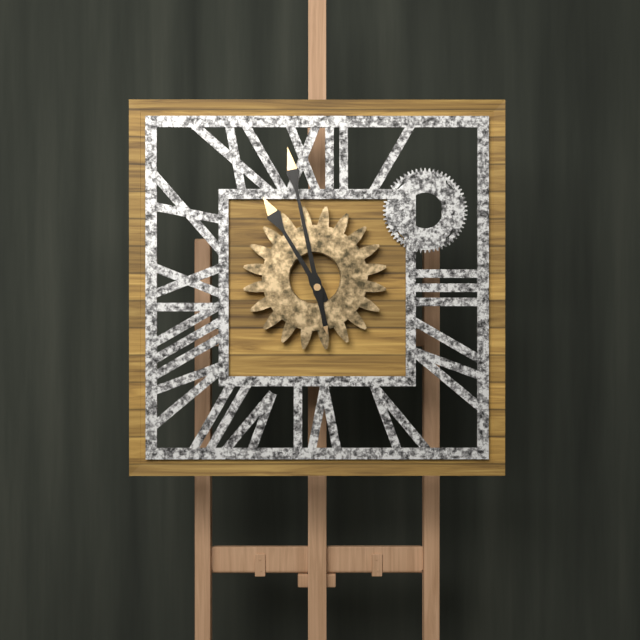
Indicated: 10,58
